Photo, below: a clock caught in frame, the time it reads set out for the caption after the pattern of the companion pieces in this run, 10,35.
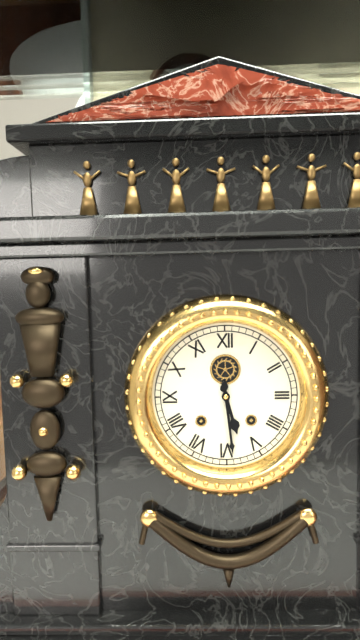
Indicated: 5,29
